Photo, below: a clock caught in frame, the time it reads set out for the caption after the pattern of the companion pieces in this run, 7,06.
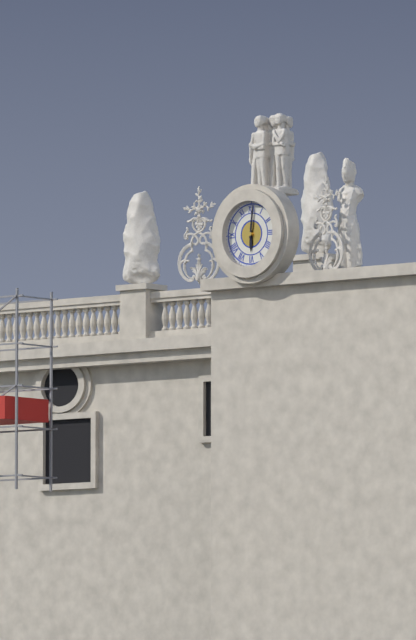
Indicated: 6,01
